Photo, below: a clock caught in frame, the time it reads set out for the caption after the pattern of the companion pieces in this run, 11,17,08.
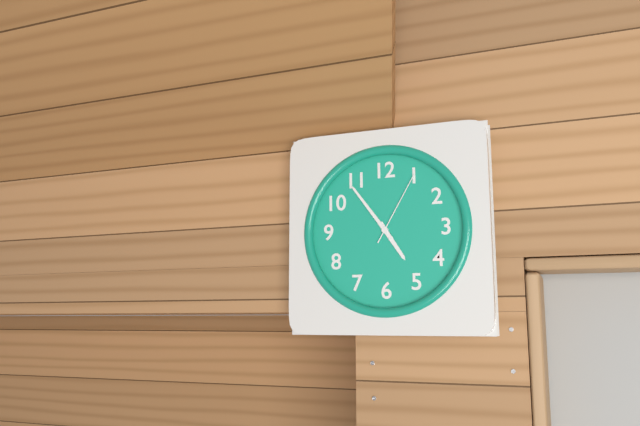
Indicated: 4,54,05
